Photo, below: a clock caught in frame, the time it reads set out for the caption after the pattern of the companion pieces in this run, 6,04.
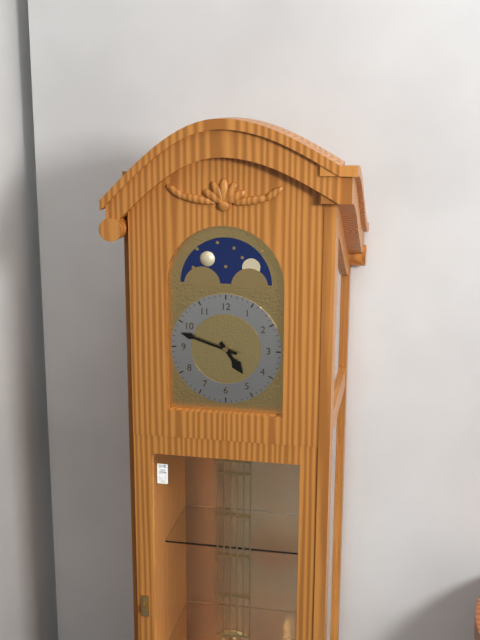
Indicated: 4,48
